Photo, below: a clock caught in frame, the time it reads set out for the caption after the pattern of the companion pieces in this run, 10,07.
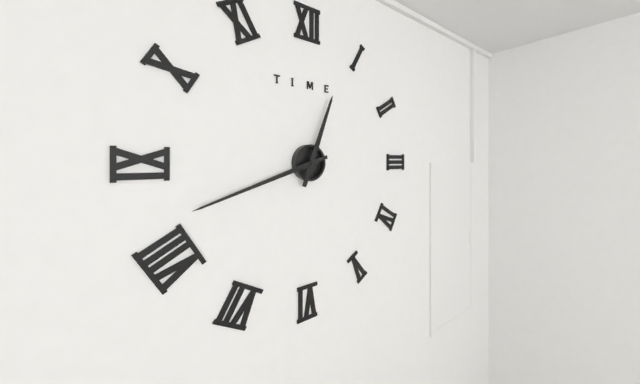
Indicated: 12,42
